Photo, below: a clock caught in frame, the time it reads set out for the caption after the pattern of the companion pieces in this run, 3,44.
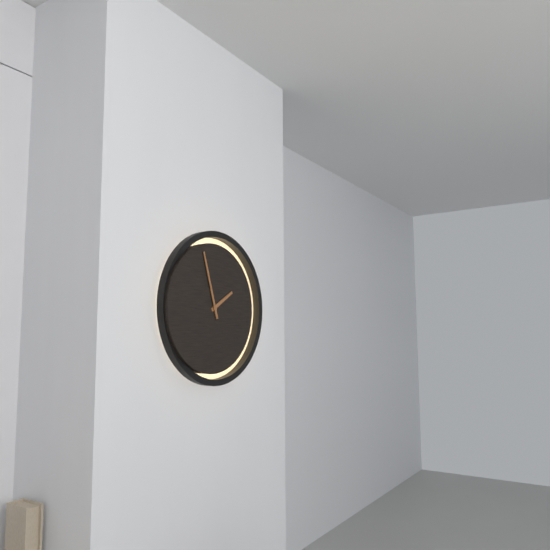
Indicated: 1,57
